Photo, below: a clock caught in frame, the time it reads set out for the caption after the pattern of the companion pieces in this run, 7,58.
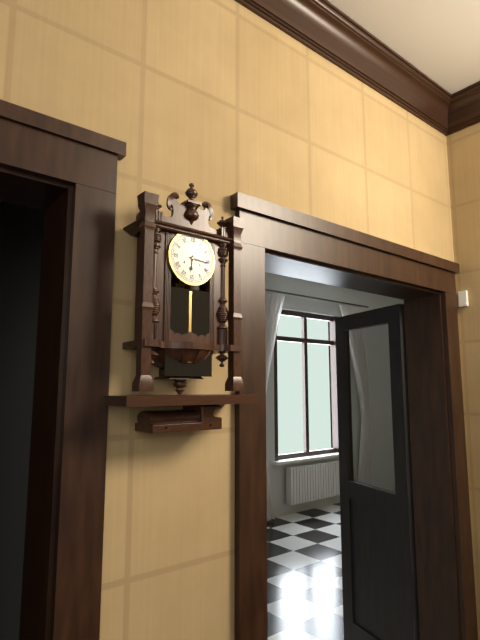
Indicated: 6,16
